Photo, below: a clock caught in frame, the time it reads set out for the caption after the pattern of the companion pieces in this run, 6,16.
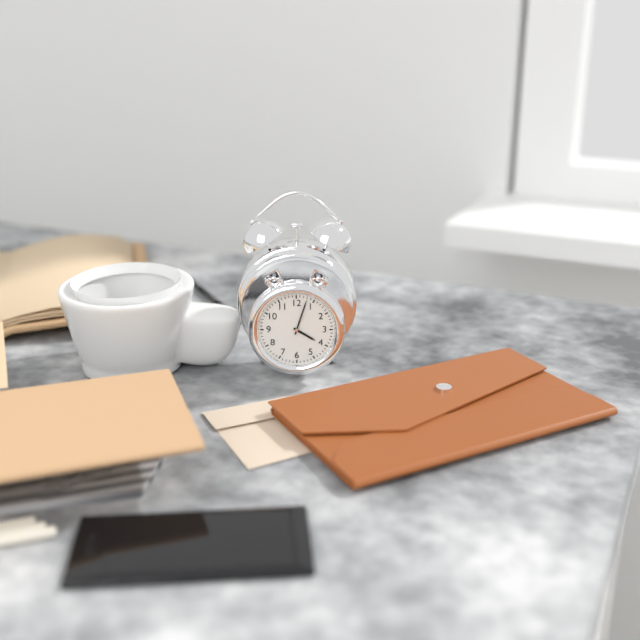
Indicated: 4,03
